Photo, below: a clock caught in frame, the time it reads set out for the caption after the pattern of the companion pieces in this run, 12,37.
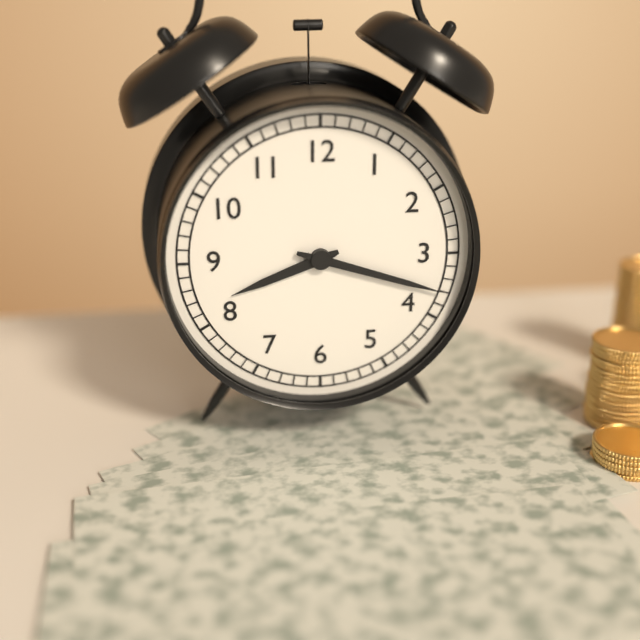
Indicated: 8,18
